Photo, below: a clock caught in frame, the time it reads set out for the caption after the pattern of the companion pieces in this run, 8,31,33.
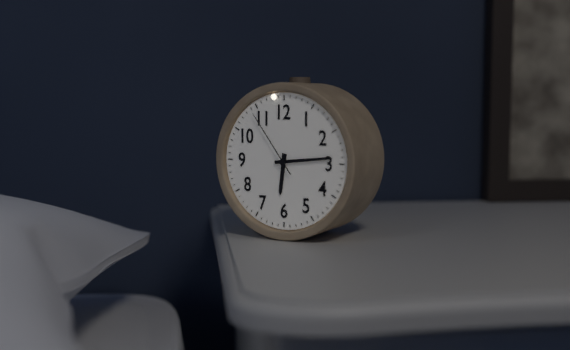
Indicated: 6,14,54
